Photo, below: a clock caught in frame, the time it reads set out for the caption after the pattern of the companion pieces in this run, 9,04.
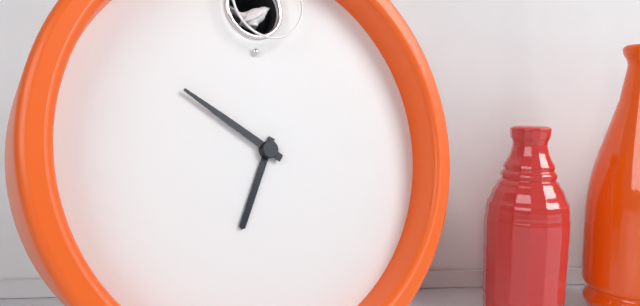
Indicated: 6,51
